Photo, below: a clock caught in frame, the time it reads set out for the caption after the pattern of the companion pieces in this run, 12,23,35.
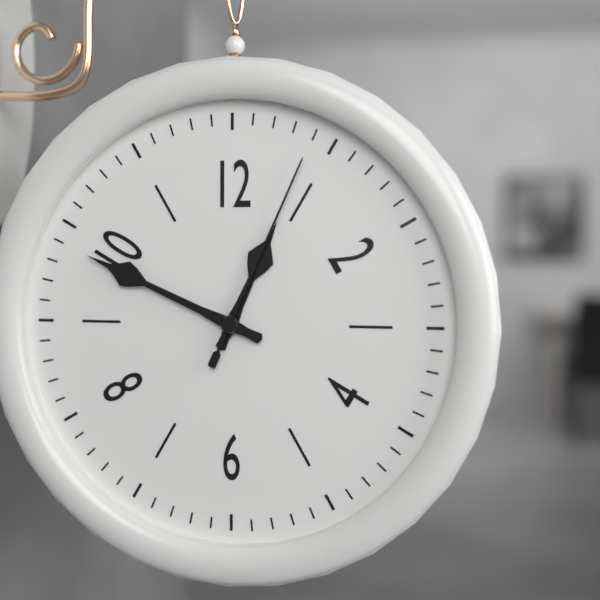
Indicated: 12,49,04
